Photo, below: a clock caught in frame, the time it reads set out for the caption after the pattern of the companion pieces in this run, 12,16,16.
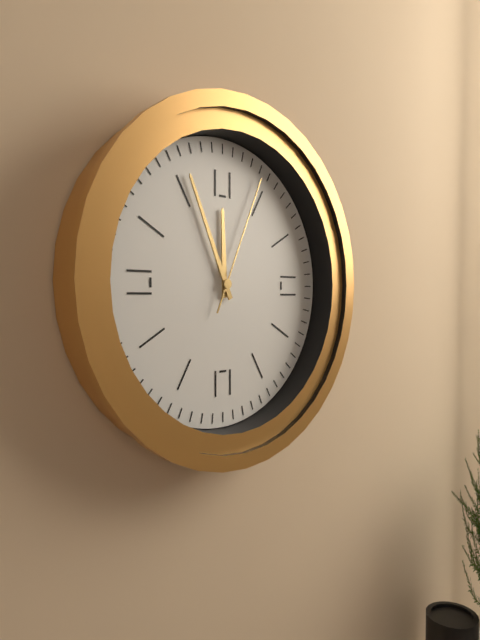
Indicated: 11,56,04
